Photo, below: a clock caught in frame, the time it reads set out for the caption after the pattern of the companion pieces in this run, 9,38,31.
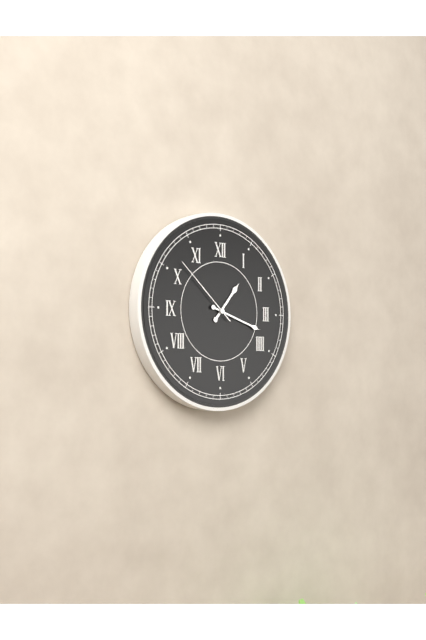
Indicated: 1,18,52
